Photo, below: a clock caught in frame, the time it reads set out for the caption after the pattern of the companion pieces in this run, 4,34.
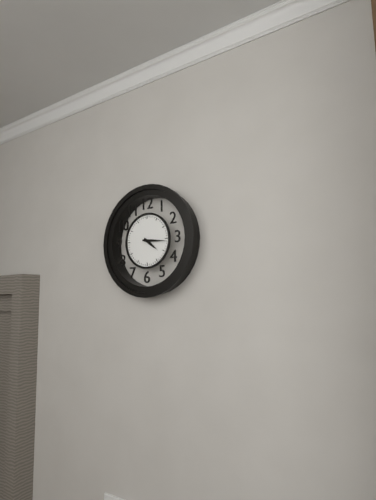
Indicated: 4,16
